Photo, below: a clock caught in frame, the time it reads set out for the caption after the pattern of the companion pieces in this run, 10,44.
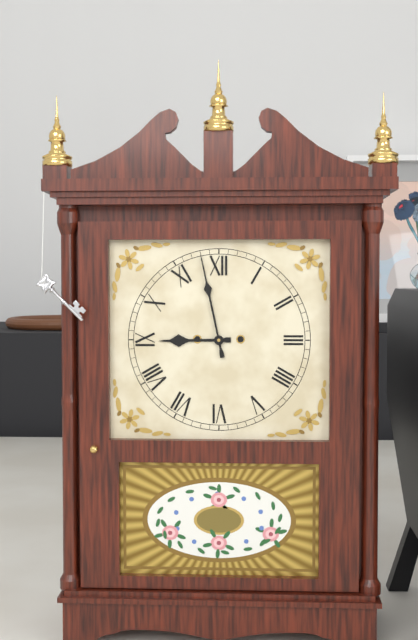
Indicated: 8,58
